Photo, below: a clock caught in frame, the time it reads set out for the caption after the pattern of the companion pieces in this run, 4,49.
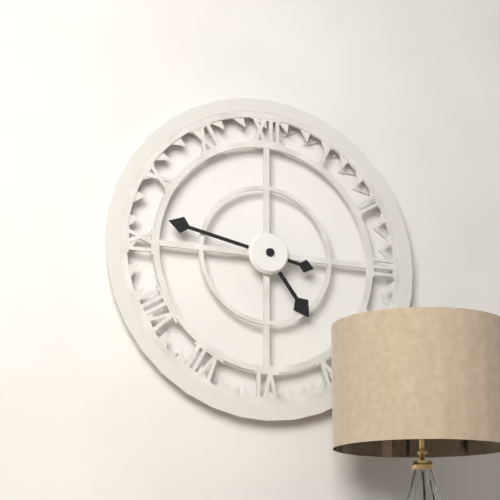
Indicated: 4,47
